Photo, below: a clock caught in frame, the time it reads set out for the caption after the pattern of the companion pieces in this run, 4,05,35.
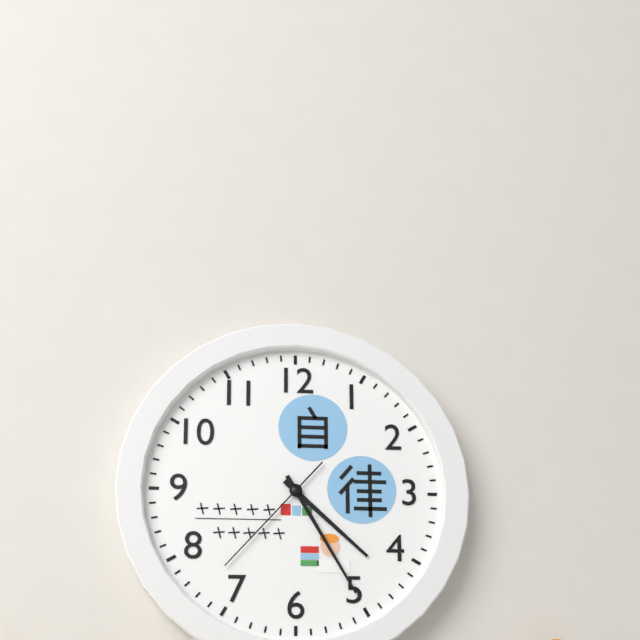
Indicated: 4,25,37
